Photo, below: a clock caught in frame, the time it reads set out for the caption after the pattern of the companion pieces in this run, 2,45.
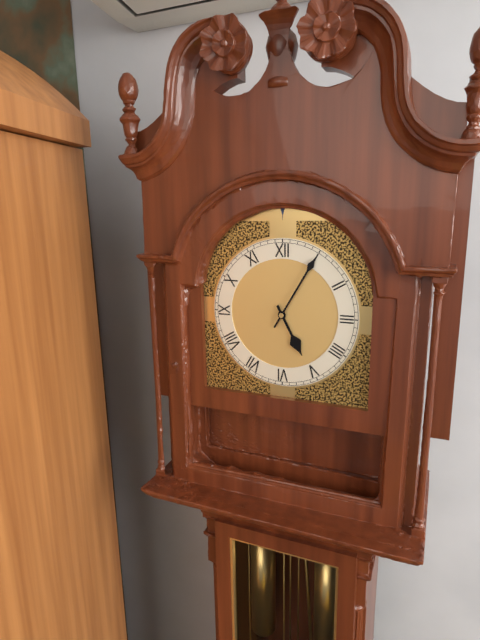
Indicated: 5,05
